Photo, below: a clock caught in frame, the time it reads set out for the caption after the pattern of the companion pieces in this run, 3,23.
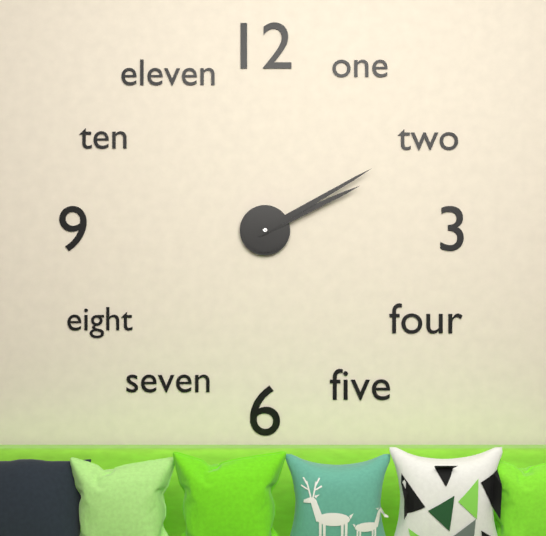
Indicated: 2,10
